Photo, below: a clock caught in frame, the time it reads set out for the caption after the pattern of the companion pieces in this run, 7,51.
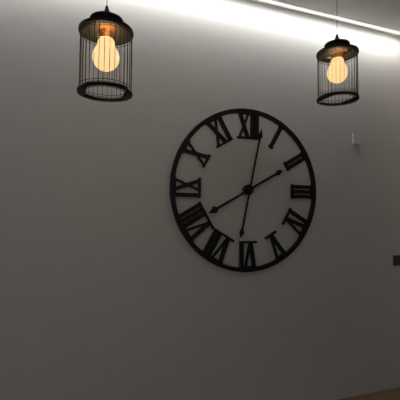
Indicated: 8,02
